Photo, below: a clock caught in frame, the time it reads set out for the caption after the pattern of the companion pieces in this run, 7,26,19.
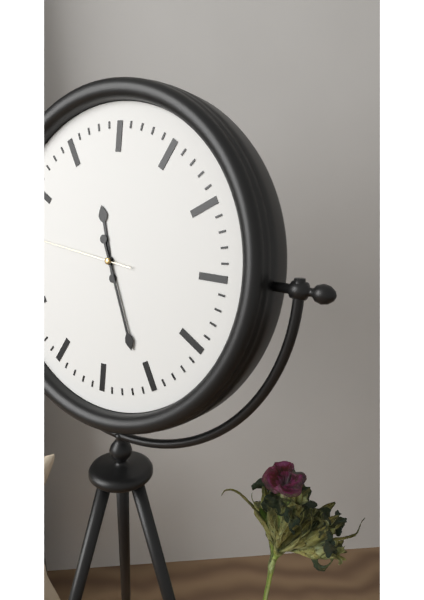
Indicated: 11,26,46
